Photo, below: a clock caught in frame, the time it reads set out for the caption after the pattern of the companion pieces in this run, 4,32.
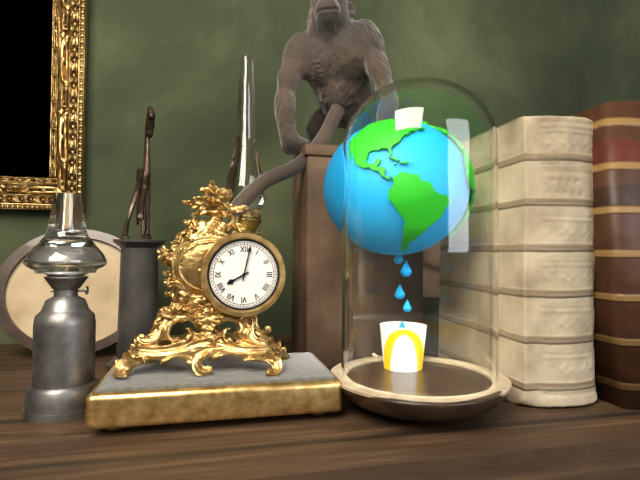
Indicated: 8,02
